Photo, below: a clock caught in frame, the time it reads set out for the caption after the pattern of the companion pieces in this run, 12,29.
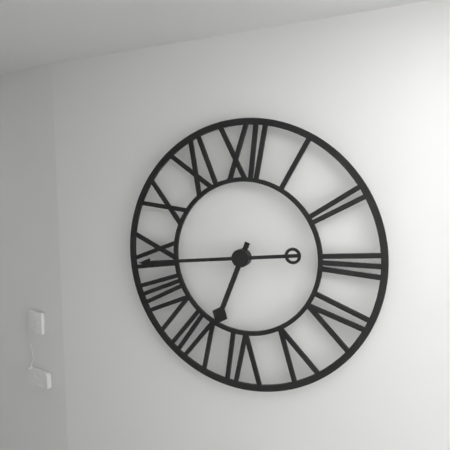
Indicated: 6,44
